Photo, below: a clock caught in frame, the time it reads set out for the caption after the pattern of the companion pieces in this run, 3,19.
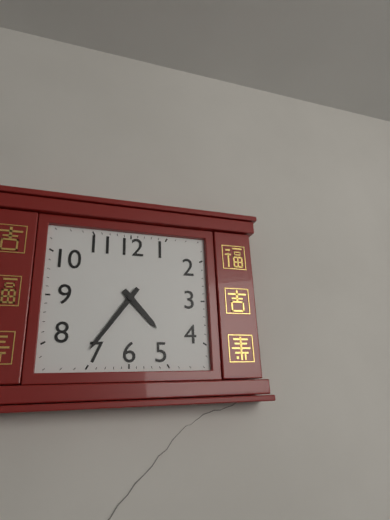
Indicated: 4,36
